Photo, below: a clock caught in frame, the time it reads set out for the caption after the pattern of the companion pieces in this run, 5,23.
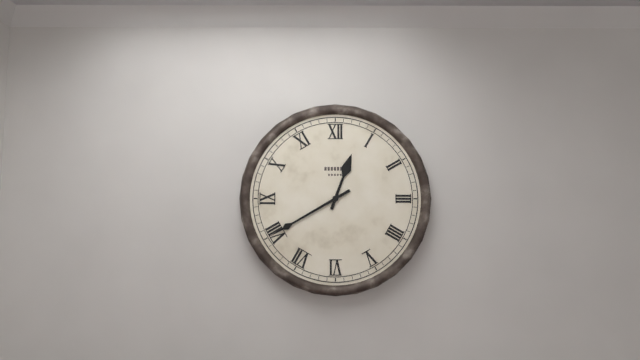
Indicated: 12,40
